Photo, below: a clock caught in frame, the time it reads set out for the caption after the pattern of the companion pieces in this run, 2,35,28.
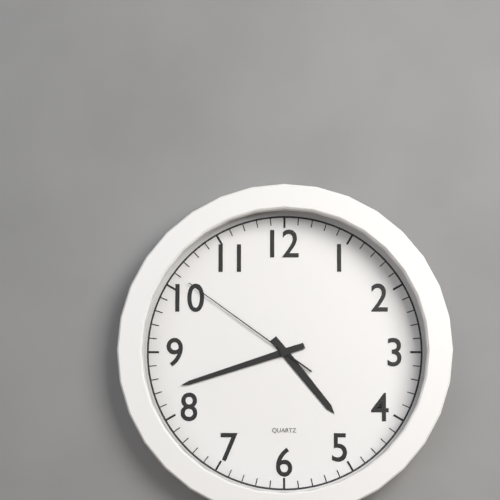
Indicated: 4,42,51
